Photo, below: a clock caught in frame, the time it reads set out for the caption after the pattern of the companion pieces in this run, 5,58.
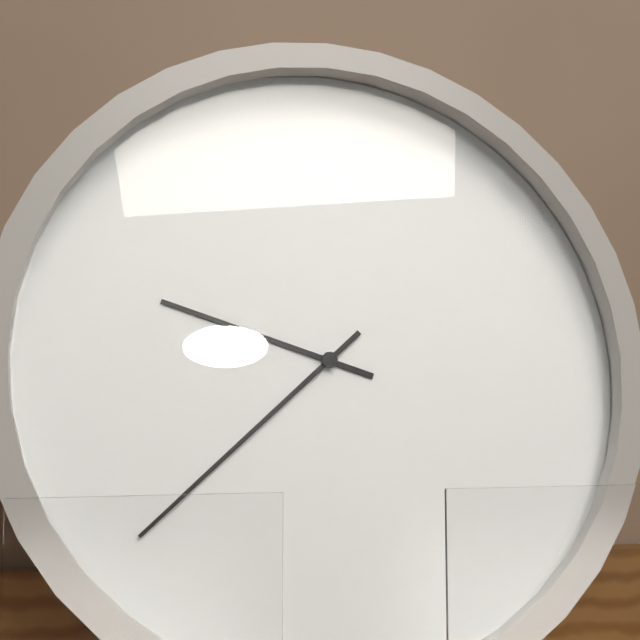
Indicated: 9,38
